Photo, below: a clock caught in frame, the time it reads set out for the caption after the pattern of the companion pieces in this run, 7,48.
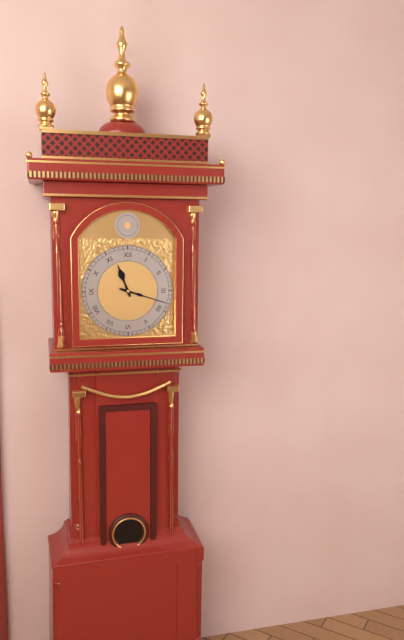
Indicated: 11,18
